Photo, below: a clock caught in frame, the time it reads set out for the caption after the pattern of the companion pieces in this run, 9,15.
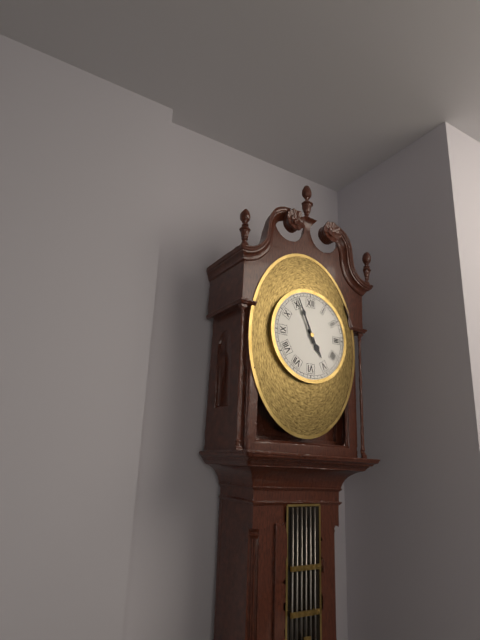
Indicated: 4,56
